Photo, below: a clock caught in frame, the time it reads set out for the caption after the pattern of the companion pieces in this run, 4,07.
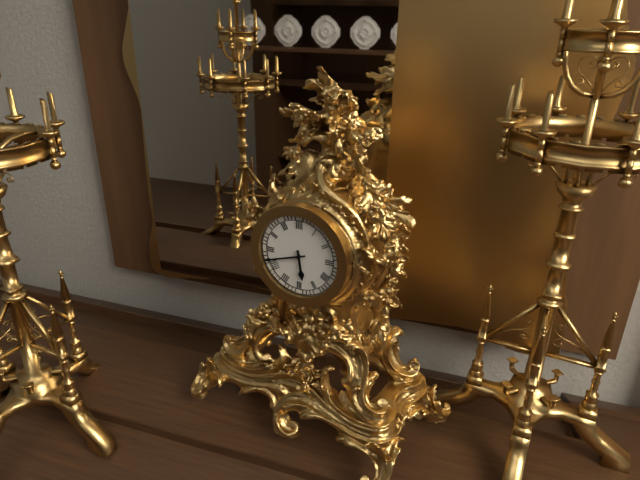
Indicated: 5,42
